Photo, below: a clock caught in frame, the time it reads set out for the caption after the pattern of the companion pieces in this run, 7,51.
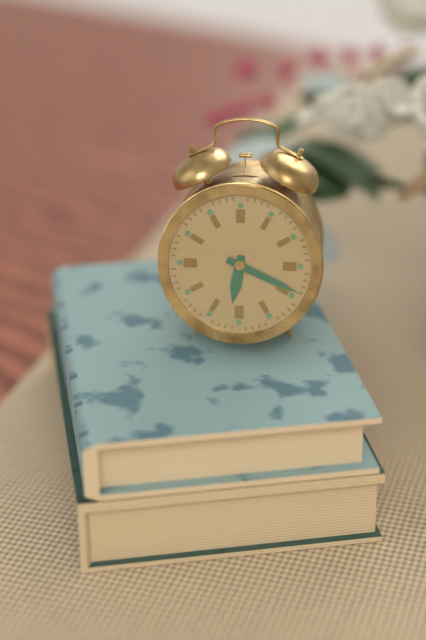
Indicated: 6,19
